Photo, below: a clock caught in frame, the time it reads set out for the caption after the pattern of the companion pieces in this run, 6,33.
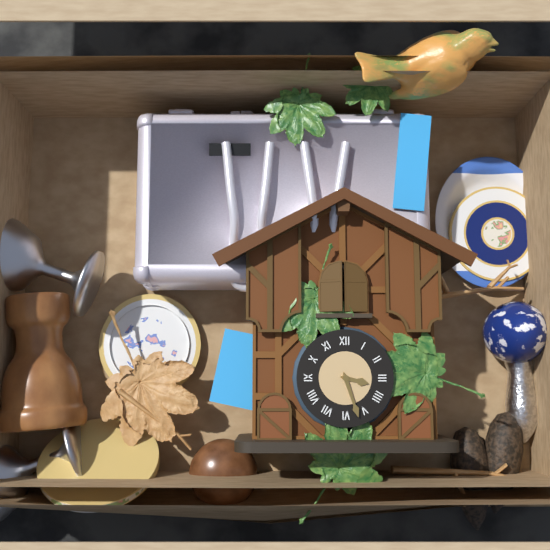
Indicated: 3,27
